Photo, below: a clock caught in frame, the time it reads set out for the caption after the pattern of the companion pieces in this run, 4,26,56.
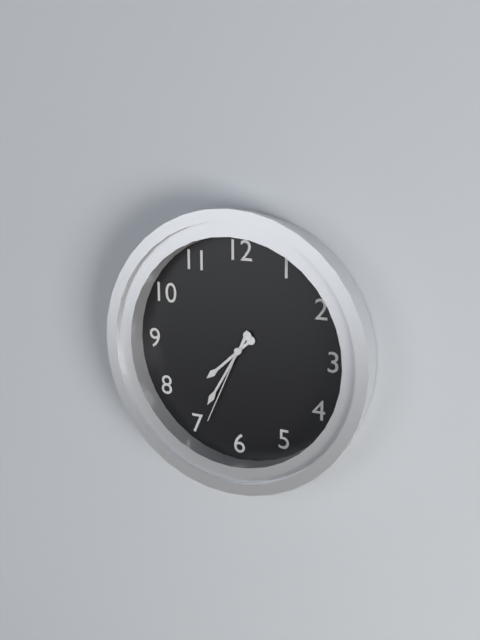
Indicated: 7,35,34
